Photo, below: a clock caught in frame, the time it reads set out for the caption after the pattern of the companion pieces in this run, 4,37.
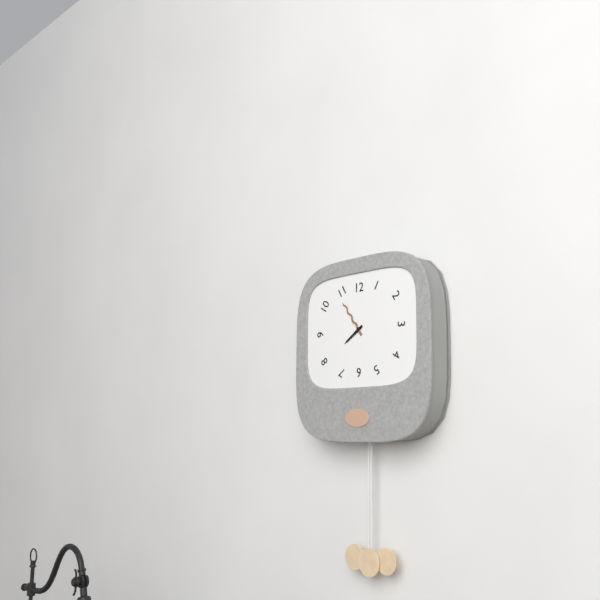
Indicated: 7,54
